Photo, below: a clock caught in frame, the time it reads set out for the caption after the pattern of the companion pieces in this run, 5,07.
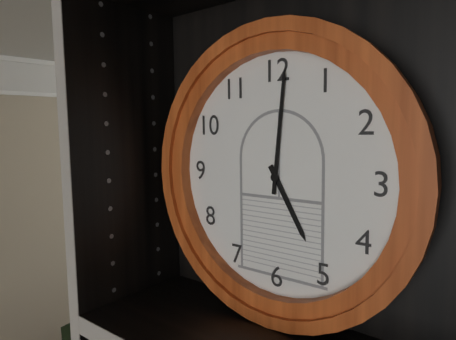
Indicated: 5,01
